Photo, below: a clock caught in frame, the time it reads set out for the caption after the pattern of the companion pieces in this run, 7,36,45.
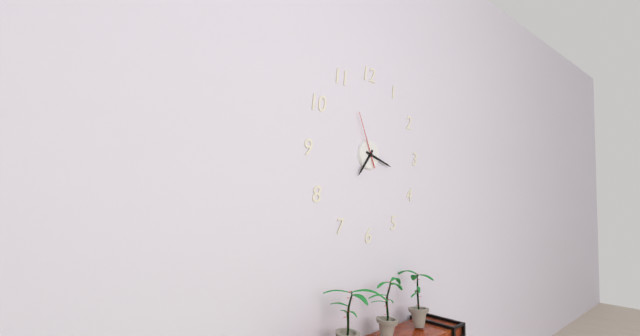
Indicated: 7,18,56
